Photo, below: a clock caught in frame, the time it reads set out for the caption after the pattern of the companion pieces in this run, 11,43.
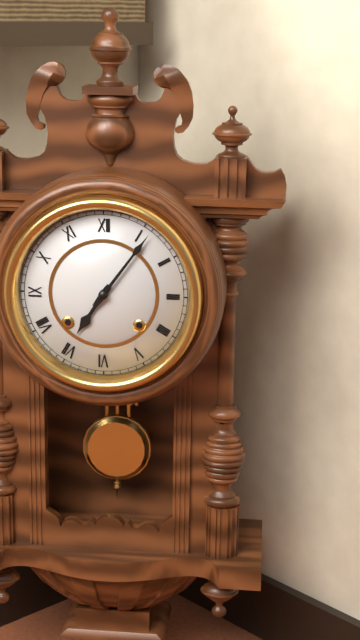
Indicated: 7,06
